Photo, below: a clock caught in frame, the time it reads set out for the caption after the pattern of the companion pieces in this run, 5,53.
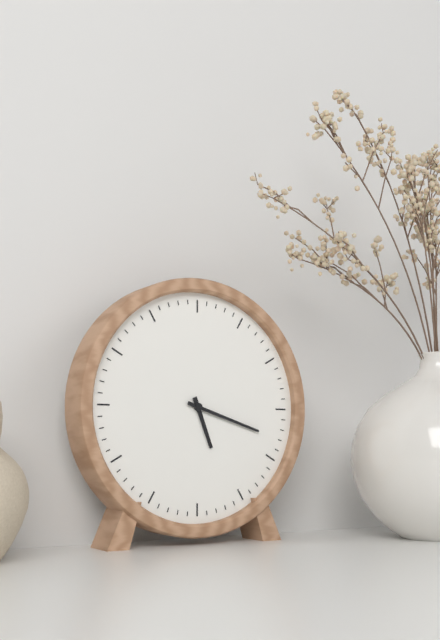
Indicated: 5,18
